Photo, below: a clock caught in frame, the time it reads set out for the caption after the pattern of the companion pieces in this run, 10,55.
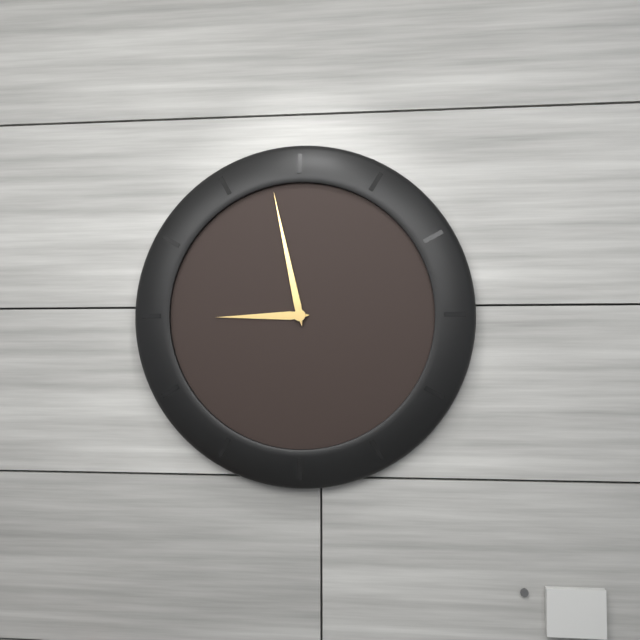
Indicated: 8,58
